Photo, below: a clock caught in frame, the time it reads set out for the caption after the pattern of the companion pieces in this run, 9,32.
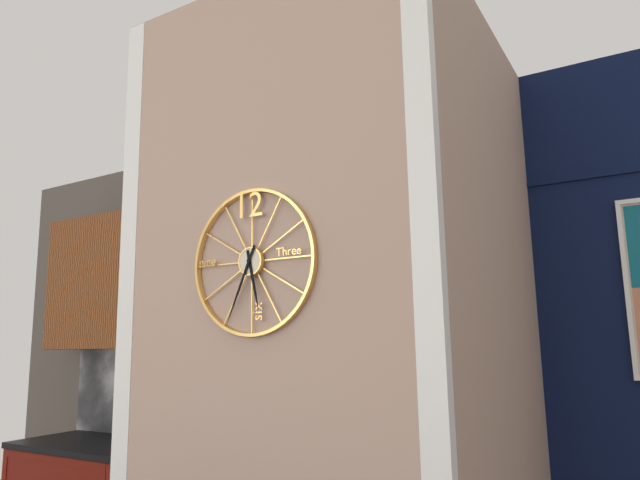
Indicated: 5,34
